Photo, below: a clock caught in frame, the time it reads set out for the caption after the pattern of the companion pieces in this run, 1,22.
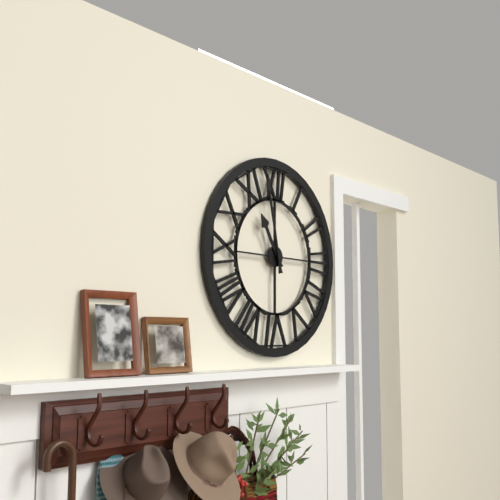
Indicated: 10,58
